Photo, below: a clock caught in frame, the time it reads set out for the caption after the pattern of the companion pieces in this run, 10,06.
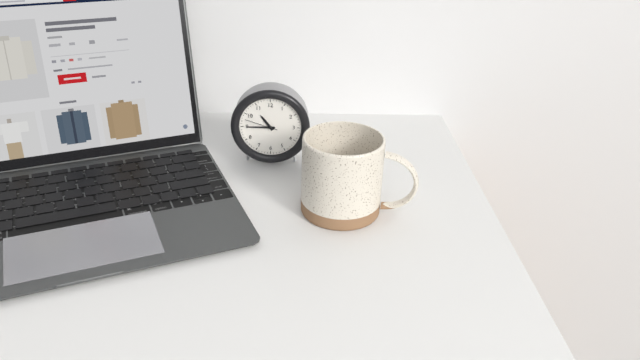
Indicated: 10,45
